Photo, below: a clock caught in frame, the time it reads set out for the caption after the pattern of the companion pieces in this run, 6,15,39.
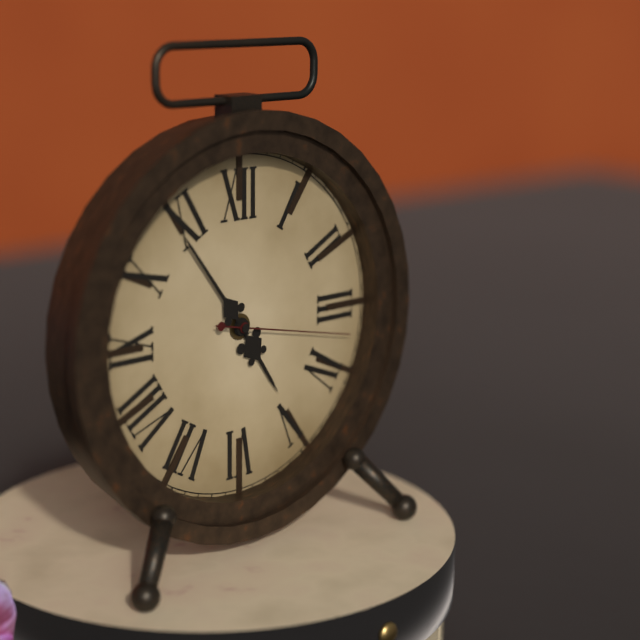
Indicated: 4,54,17
